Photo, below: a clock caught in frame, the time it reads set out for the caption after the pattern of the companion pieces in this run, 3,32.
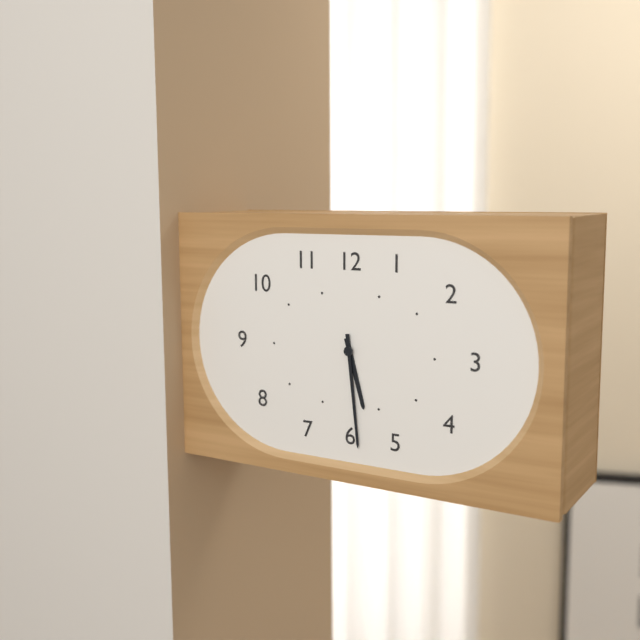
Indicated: 5,29
